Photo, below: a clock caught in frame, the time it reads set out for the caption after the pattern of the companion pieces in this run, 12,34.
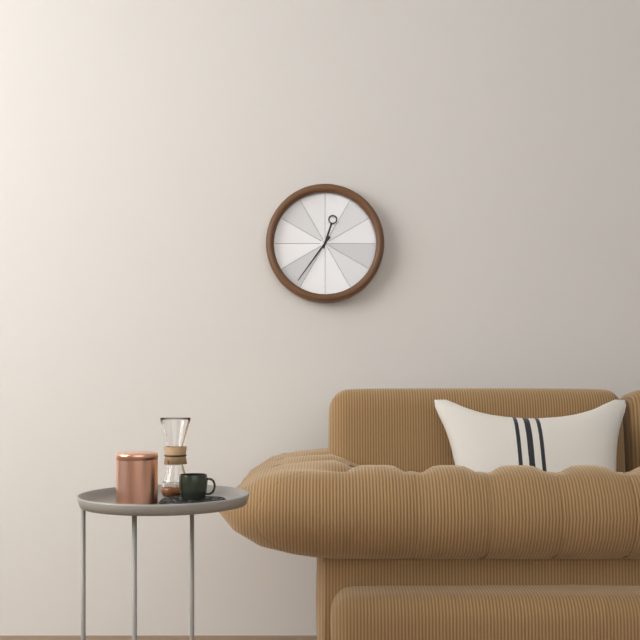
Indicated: 12,36
